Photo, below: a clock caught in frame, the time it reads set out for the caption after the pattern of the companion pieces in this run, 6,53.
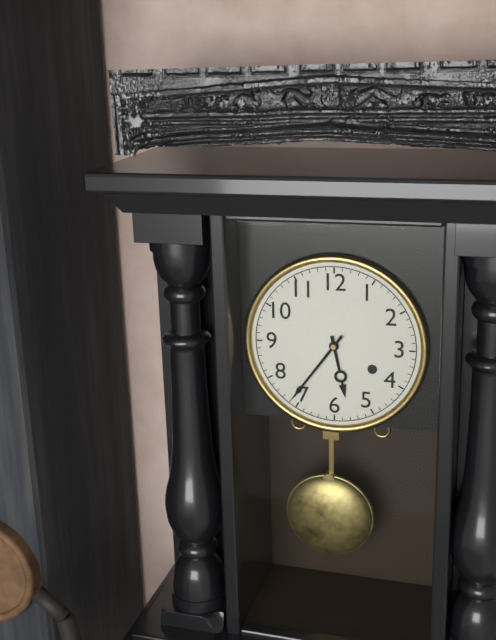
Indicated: 5,36
